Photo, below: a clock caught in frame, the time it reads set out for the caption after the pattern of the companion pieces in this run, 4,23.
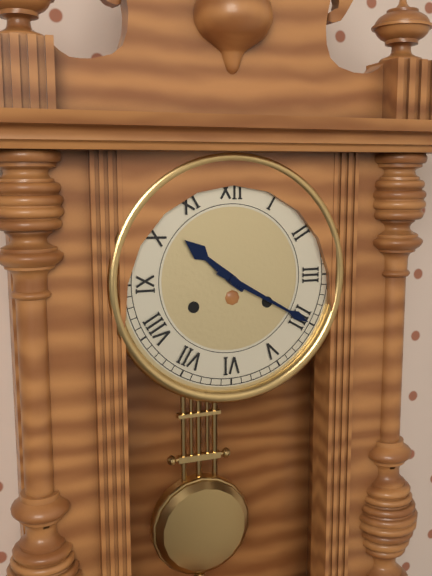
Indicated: 10,20
